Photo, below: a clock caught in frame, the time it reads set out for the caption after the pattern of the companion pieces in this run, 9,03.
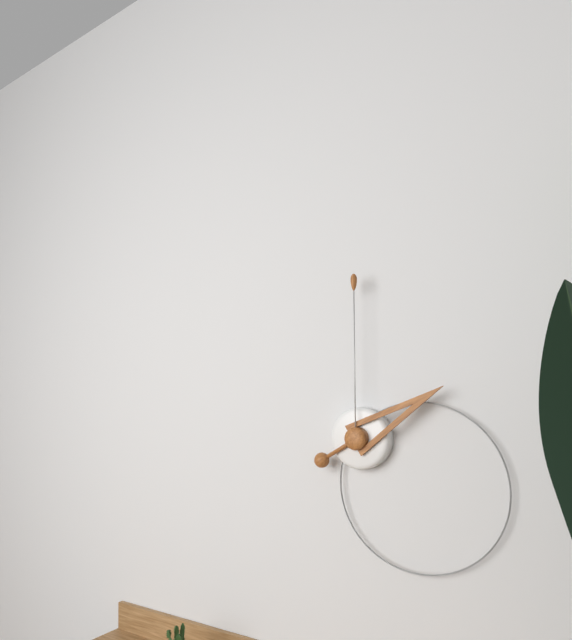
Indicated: 2,00
